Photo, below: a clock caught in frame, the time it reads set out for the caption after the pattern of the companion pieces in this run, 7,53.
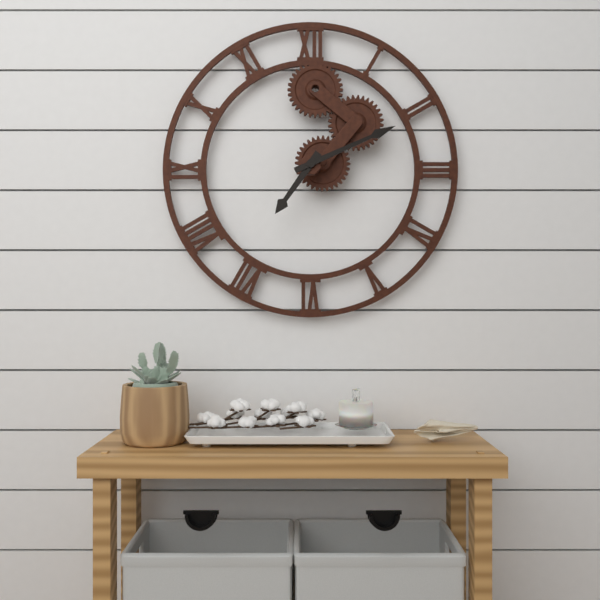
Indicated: 7,11
